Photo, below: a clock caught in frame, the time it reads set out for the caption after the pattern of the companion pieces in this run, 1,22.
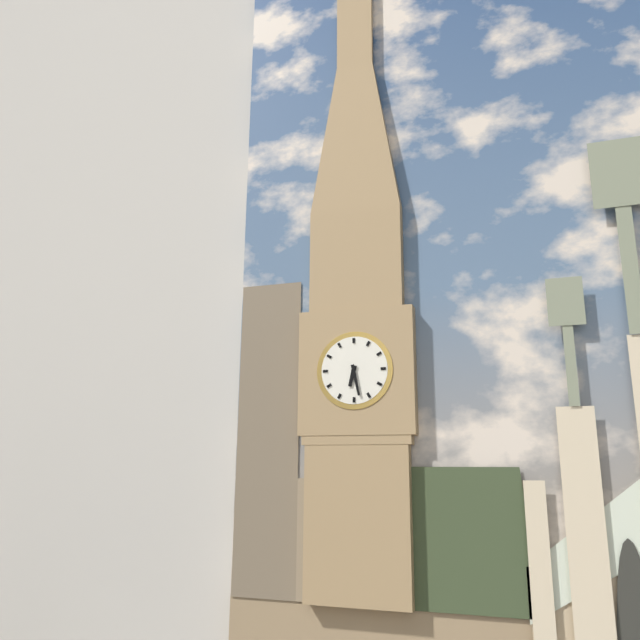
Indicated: 6,28
